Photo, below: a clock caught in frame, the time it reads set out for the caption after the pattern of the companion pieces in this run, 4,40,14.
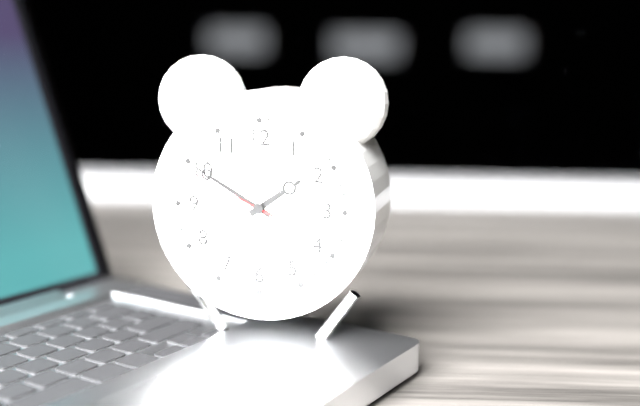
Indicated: 1,50,49
